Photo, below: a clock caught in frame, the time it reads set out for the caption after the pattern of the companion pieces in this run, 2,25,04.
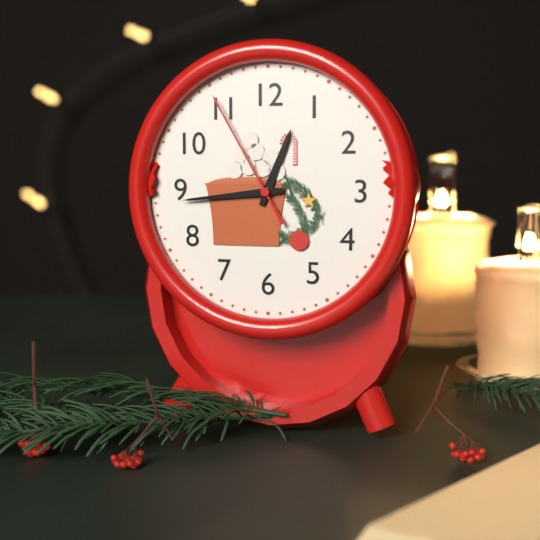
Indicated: 12,44,55
